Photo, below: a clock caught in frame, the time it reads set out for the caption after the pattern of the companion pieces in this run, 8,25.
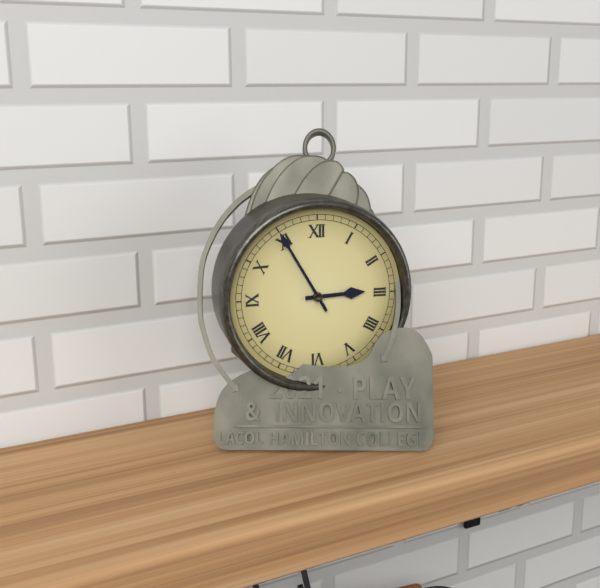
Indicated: 2,55
